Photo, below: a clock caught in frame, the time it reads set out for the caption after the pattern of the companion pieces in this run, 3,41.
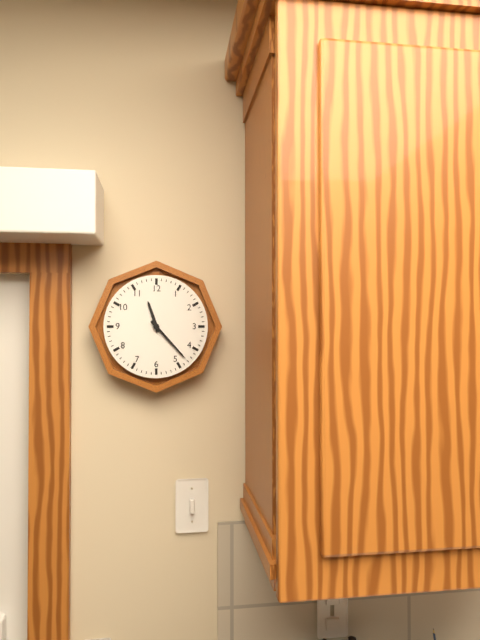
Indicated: 11,23
